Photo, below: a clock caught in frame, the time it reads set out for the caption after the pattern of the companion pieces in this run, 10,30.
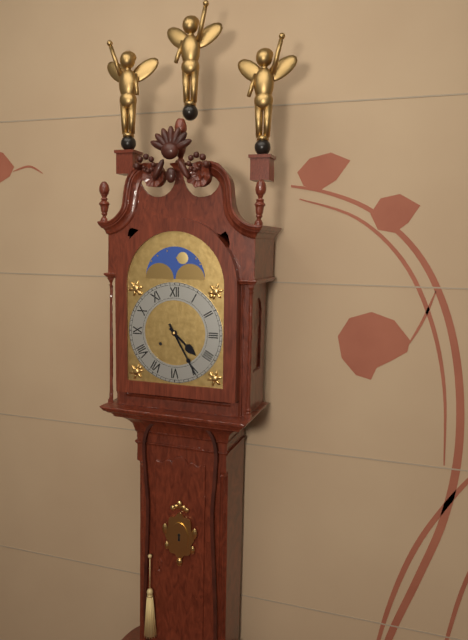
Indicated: 4,25
